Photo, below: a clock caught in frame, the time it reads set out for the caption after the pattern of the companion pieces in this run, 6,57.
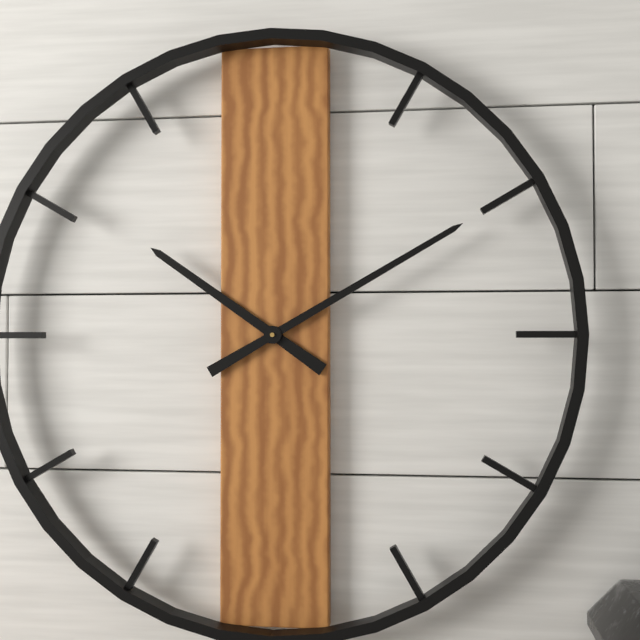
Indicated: 10,10
